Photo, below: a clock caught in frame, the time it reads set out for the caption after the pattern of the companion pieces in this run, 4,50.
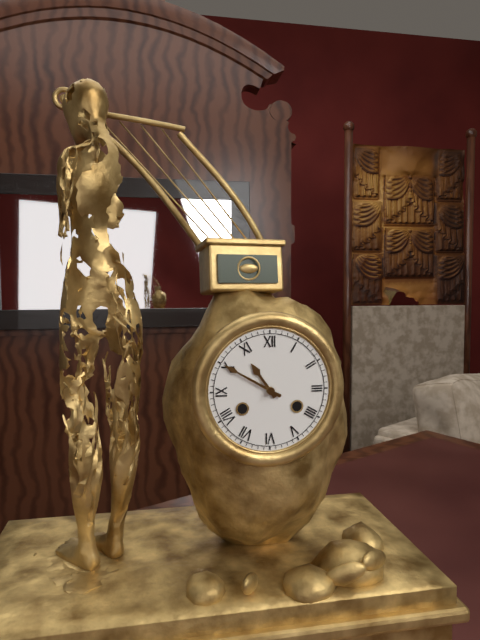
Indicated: 10,50
